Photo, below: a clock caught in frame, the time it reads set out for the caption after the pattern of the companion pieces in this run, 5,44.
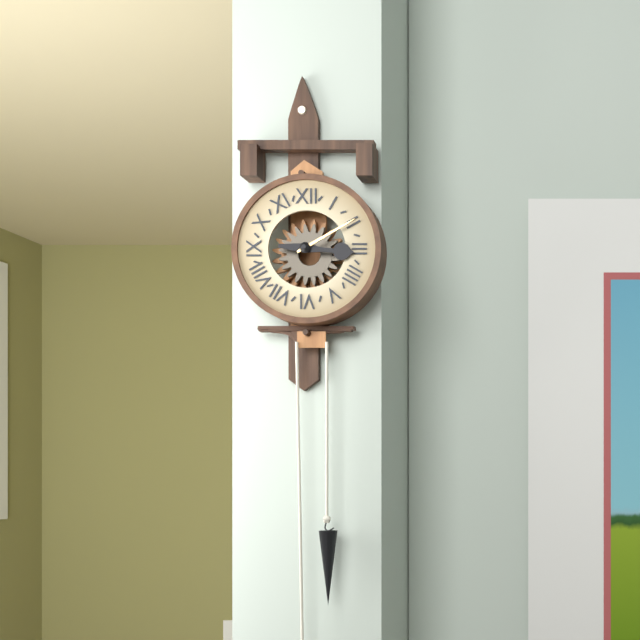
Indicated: 3,10
